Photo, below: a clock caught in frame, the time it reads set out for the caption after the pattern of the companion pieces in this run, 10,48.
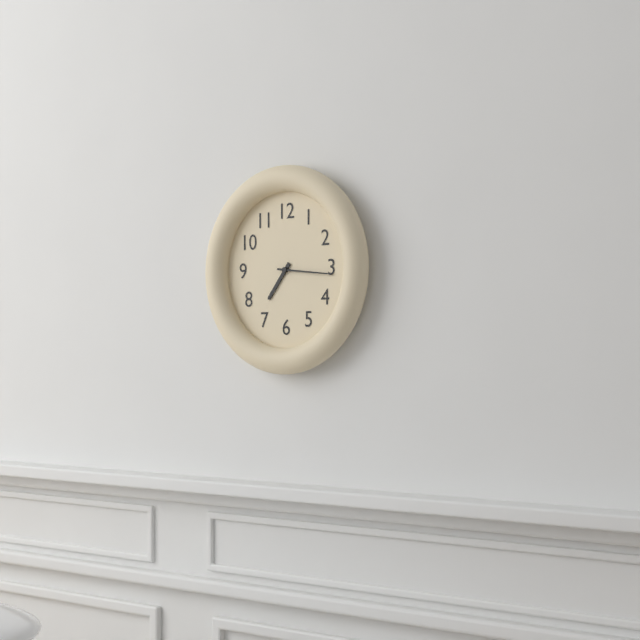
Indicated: 7,16
